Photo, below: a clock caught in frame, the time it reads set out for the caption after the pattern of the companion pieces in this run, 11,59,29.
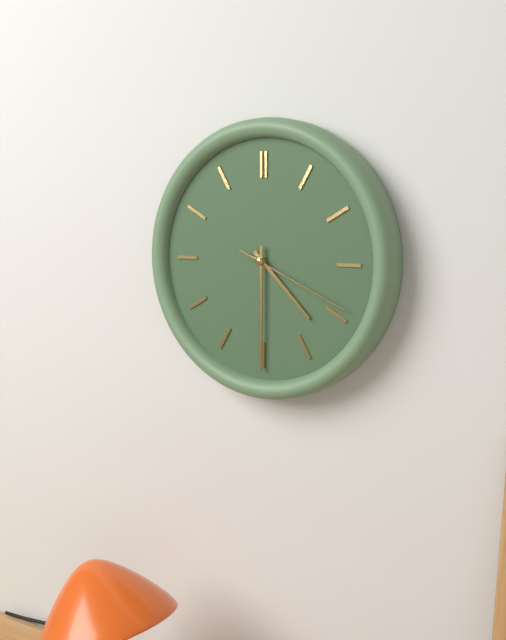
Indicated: 4,30,19
